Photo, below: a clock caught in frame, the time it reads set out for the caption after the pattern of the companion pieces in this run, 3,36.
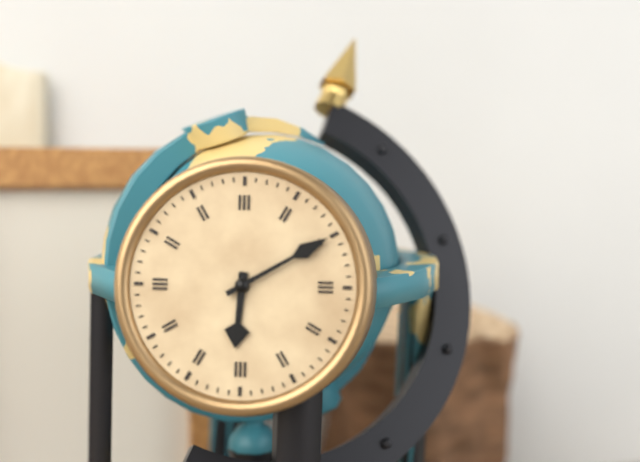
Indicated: 6,10
